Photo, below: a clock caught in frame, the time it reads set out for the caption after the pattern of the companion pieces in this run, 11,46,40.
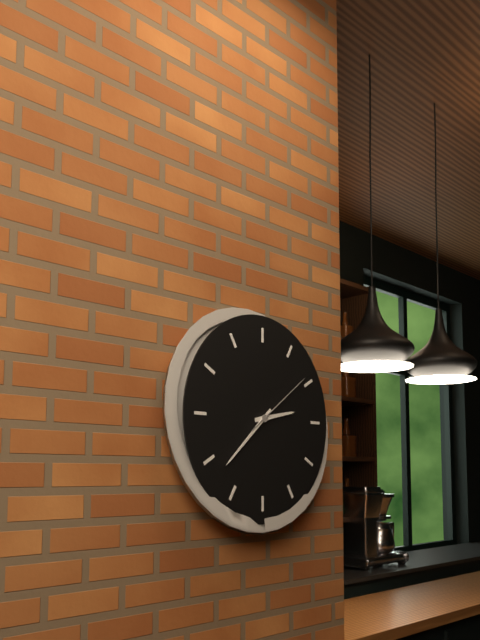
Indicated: 2,38,09
